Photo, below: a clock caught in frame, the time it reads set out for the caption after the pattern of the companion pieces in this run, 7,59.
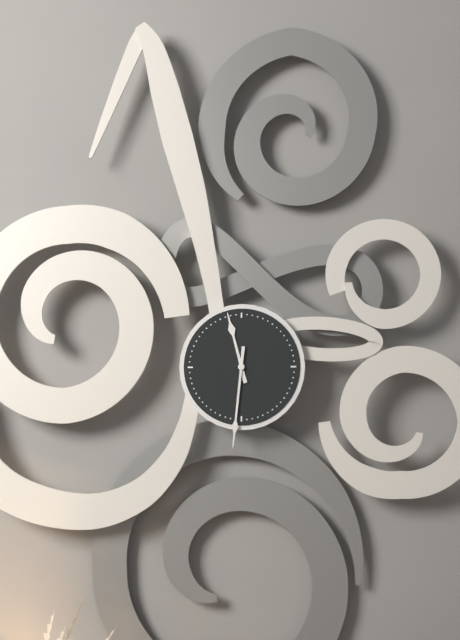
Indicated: 11,31
